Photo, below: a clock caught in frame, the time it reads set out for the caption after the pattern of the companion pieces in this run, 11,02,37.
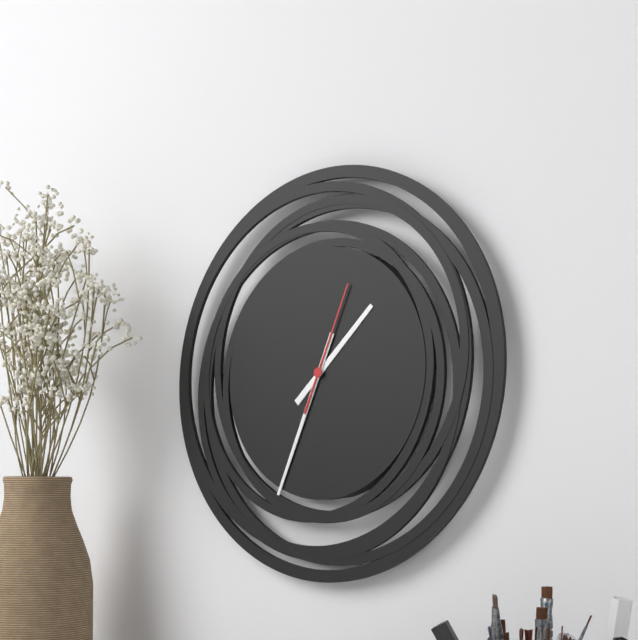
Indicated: 1,34,04
